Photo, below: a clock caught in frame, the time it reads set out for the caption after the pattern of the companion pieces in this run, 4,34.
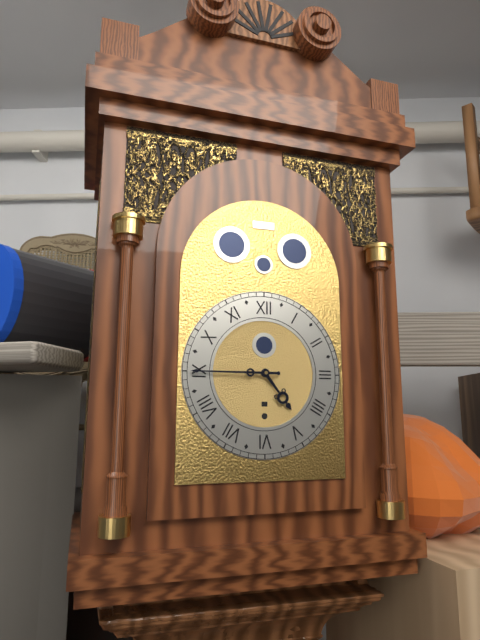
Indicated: 4,45
